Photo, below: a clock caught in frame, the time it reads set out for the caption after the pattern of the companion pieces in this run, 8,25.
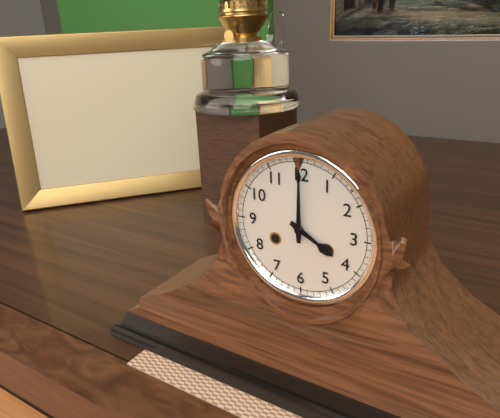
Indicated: 4,00
